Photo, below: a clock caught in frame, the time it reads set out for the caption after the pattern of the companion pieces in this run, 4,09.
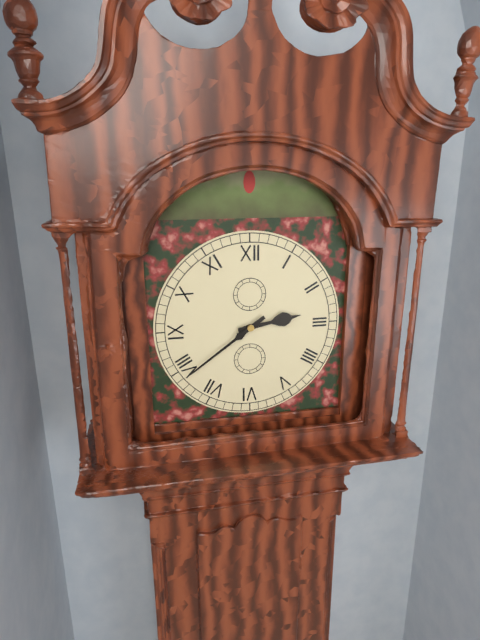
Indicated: 2,39
